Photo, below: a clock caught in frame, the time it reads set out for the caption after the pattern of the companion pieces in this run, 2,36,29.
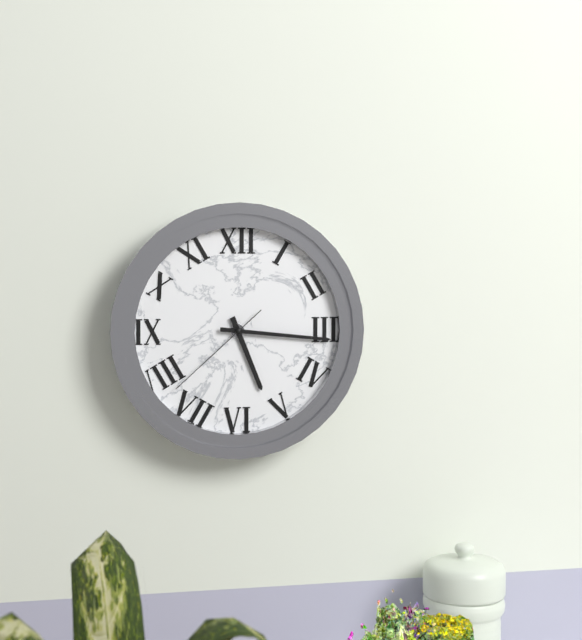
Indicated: 5,16,38
